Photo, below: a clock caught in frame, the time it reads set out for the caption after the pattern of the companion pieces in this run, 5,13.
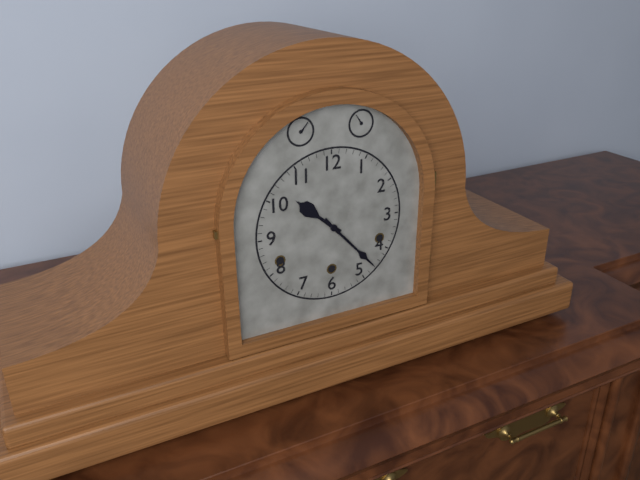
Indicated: 10,23
